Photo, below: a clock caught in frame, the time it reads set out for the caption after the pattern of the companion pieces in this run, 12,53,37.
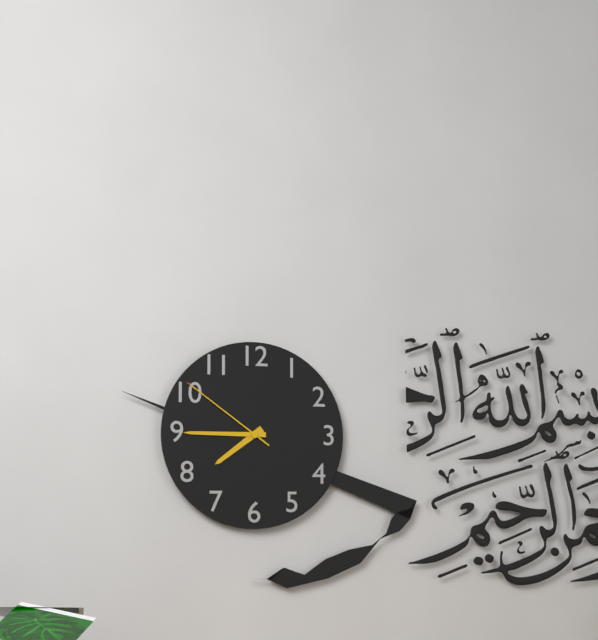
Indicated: 7,45,51
